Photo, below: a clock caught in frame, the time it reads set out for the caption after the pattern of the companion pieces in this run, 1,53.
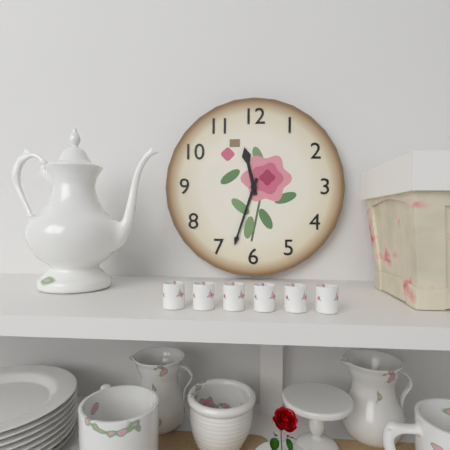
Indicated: 11,33
